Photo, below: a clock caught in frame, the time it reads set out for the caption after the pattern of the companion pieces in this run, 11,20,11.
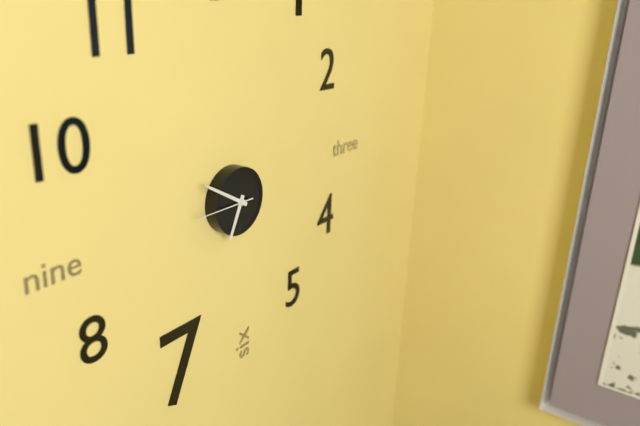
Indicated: 6,50,45
